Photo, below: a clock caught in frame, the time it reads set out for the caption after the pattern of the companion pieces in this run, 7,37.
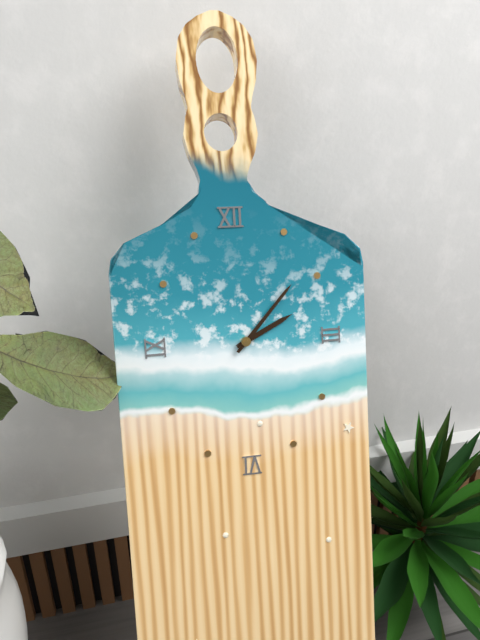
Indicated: 2,07
